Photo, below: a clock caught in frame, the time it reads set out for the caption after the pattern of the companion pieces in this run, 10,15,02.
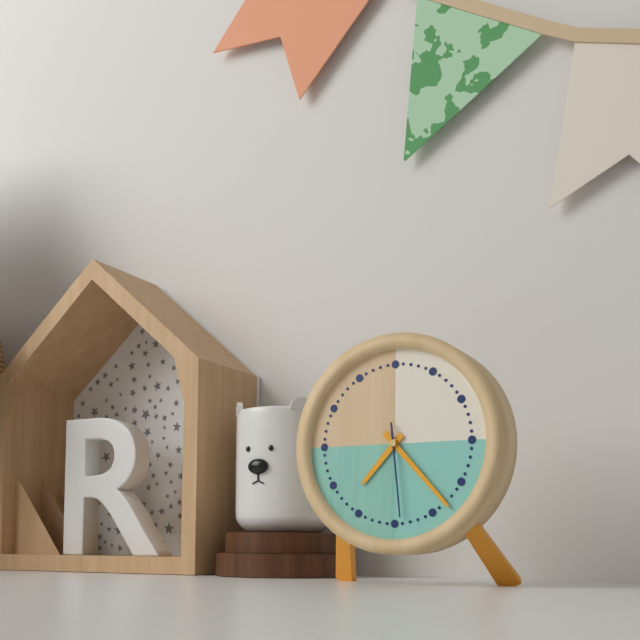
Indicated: 7,23,29
